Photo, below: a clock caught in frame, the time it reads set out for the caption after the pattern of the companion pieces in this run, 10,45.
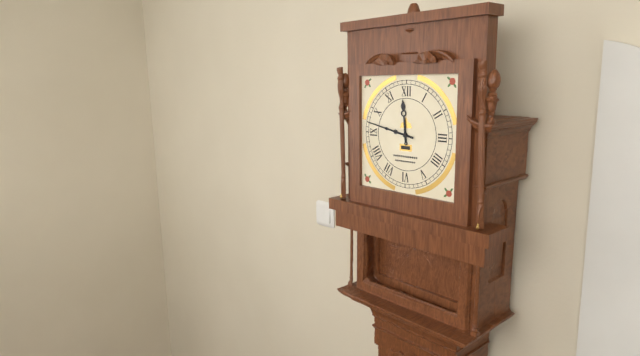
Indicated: 11,47
